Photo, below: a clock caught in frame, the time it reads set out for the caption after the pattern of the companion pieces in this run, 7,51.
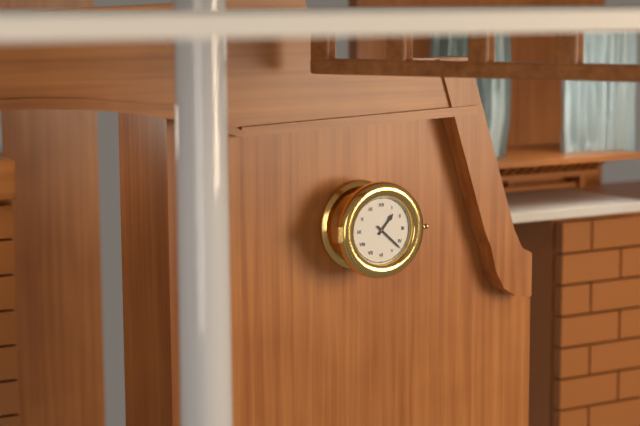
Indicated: 1,22
